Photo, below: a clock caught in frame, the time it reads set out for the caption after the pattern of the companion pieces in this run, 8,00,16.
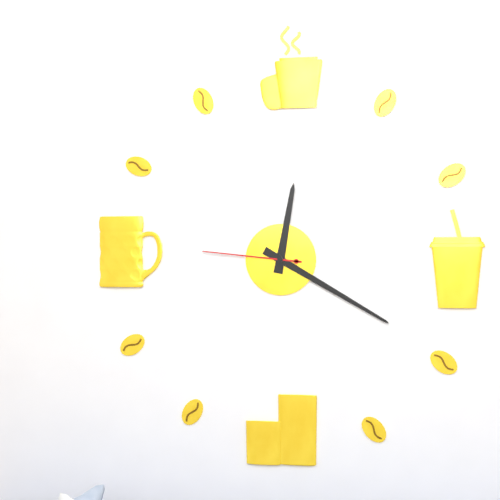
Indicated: 12,20,46
